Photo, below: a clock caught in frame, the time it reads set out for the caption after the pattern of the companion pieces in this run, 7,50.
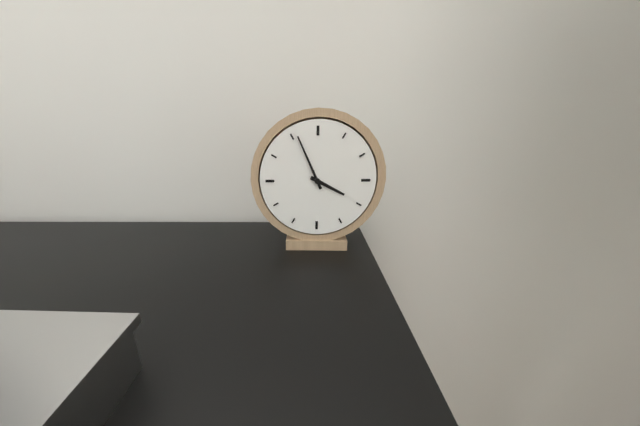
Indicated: 3,56
